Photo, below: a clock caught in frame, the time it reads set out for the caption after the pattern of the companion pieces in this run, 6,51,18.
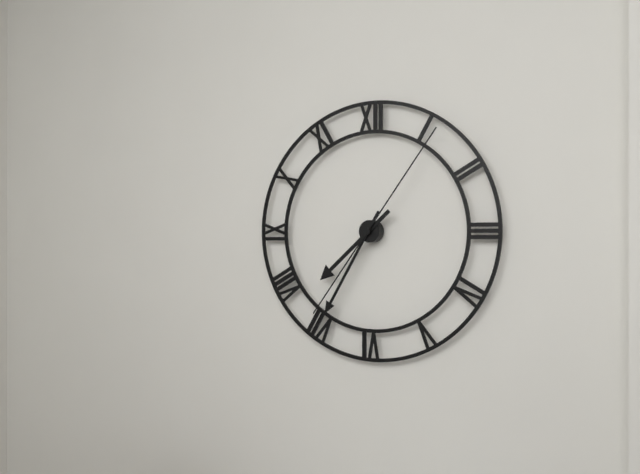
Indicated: 7,35,06
